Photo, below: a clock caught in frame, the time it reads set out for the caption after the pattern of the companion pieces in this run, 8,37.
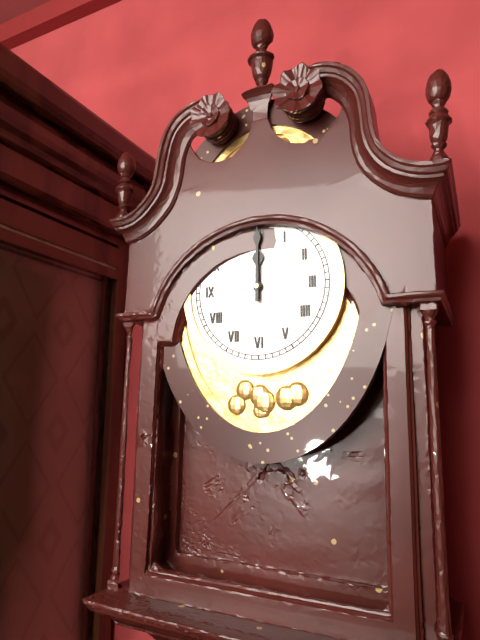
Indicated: 12,00
